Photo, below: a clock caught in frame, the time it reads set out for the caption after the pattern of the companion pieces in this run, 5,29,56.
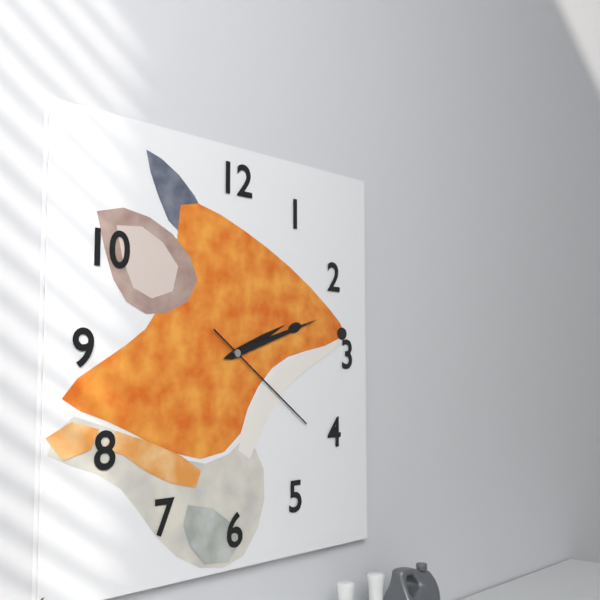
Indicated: 2,12,21
